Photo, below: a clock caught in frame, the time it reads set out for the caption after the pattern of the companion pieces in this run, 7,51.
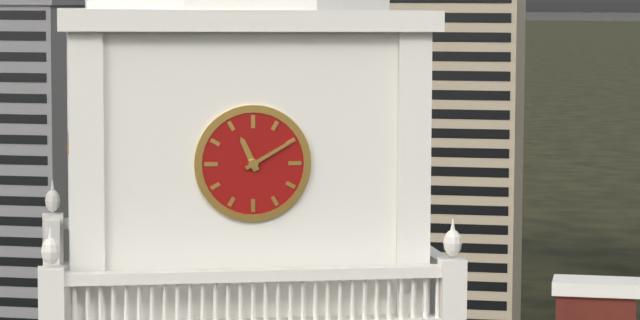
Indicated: 11,10
